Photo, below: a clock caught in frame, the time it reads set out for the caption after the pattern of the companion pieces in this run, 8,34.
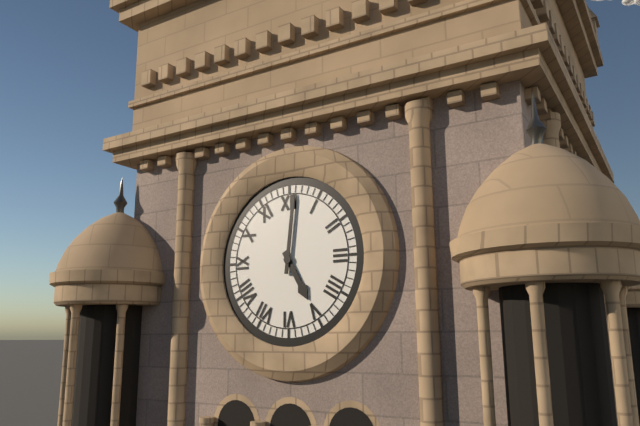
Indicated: 5,01
